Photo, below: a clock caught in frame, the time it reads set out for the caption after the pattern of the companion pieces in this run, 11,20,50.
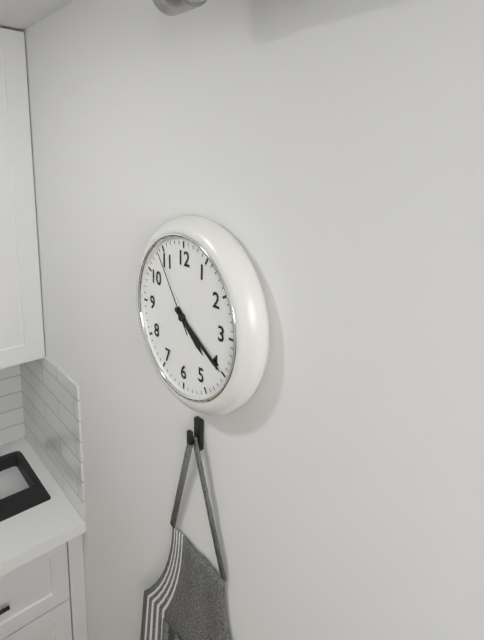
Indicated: 4,20,54
